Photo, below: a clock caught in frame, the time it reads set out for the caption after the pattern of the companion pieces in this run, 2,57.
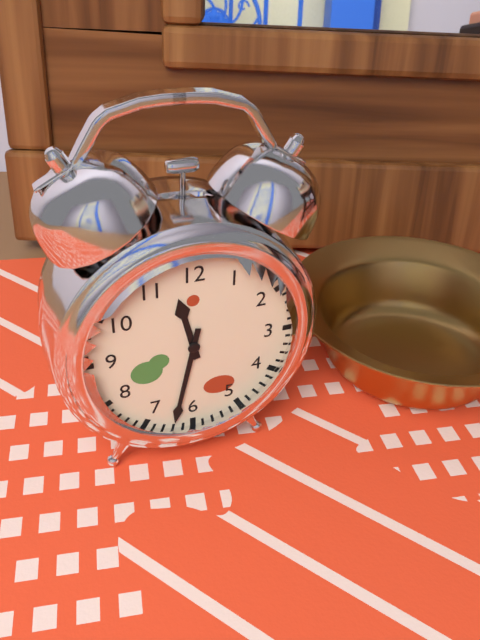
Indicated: 11,32
